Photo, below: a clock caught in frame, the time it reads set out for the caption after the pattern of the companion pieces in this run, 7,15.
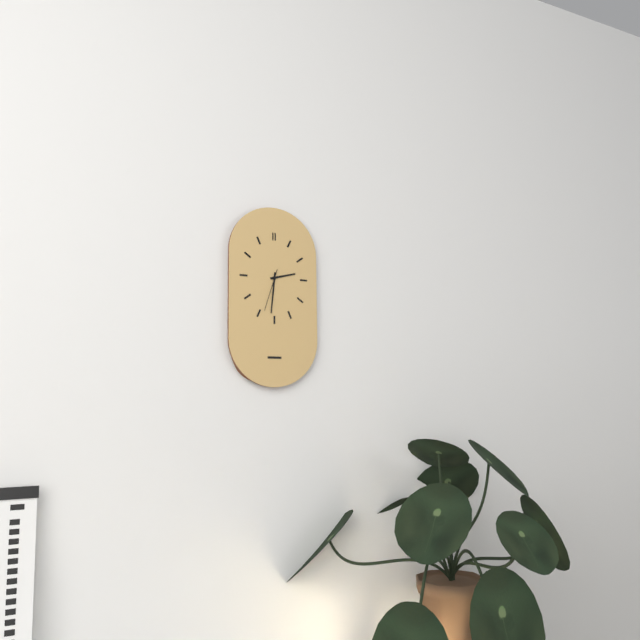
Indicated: 2,31
